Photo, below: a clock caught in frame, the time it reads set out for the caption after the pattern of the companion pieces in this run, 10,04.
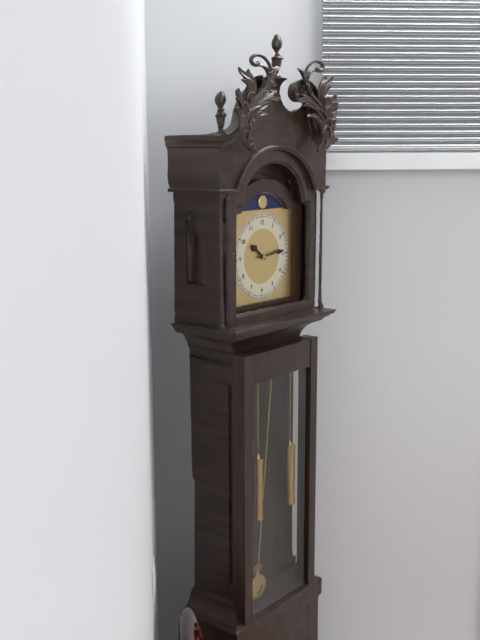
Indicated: 10,14
